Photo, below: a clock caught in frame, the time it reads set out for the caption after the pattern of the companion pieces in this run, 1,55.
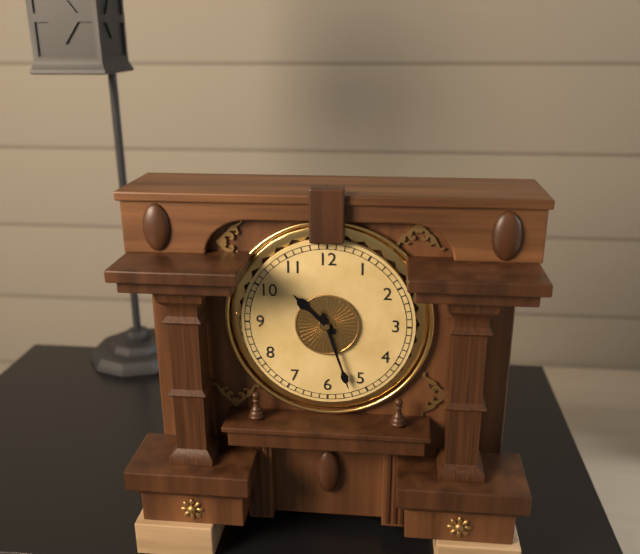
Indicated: 10,27
